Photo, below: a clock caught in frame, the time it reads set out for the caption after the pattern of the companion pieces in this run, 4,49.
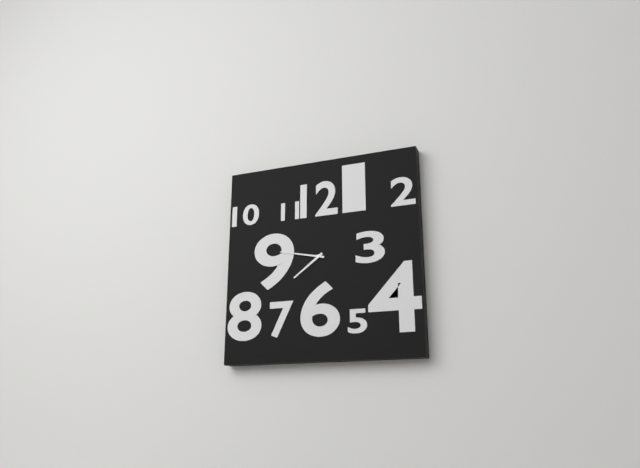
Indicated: 7,47
